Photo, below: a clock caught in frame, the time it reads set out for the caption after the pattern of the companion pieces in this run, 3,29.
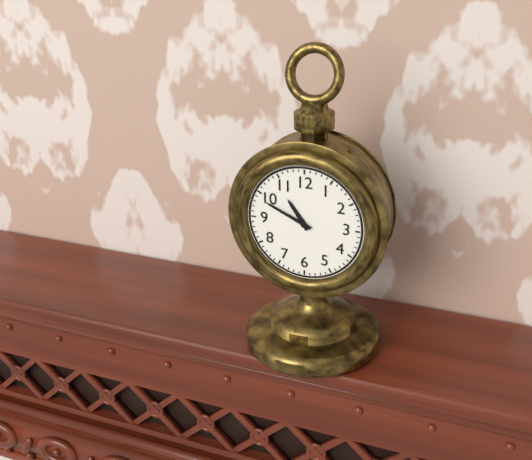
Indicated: 10,49
